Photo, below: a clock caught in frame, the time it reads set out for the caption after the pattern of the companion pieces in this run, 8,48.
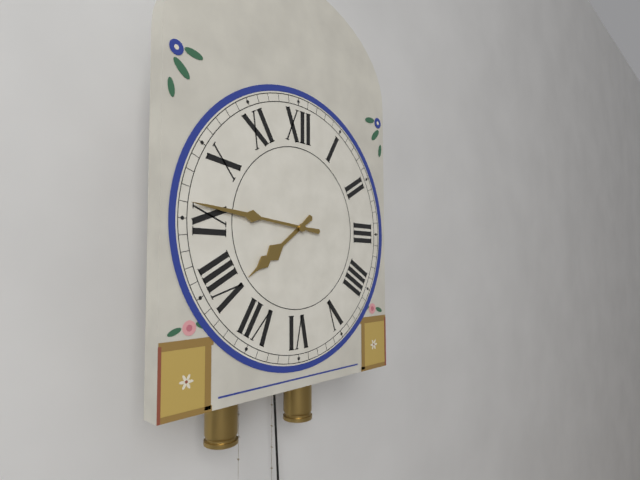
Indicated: 7,46
